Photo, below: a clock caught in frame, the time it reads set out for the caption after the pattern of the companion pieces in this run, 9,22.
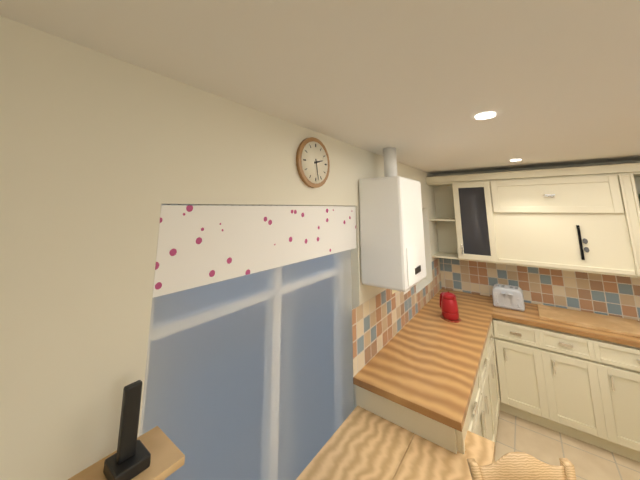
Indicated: 2,28
